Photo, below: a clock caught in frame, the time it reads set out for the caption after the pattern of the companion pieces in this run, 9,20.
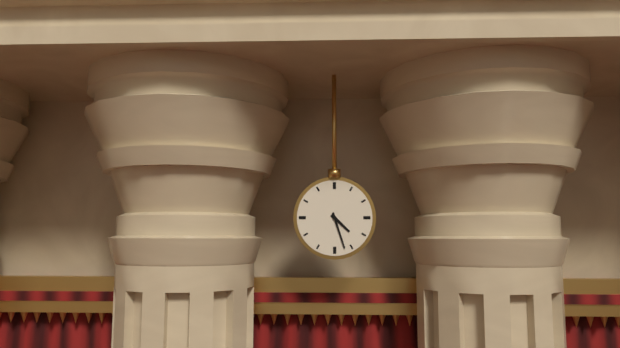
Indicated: 4,27
